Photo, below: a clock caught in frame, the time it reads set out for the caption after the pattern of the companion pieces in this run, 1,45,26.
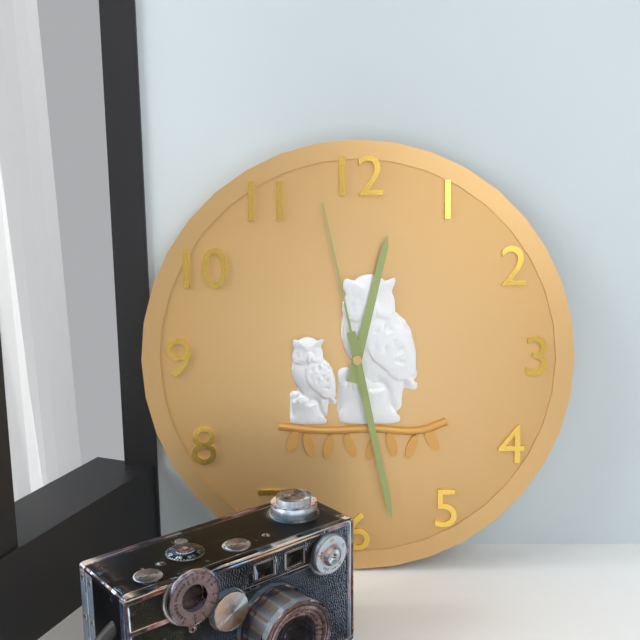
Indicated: 12,28,58
